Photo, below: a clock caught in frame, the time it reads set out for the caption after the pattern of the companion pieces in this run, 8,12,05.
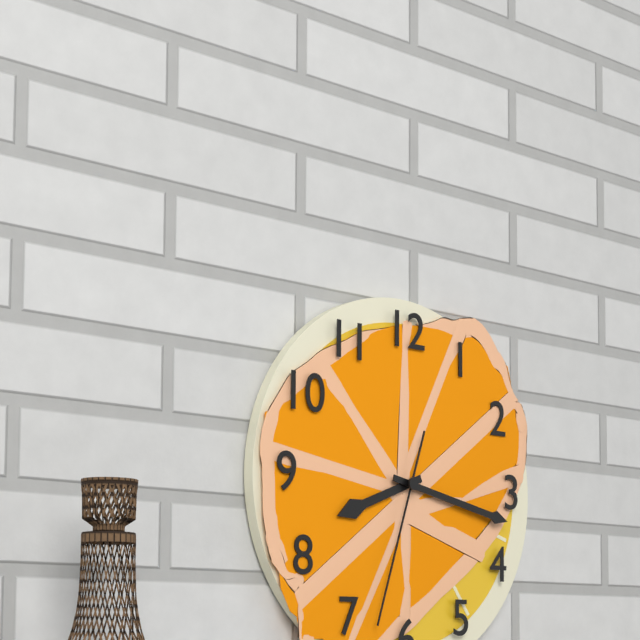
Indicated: 8,17,33
